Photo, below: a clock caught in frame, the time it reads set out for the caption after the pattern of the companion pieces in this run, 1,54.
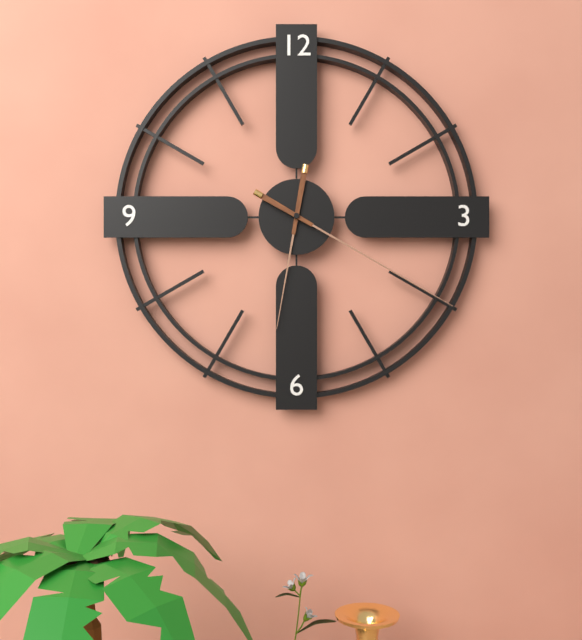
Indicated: 6,20
